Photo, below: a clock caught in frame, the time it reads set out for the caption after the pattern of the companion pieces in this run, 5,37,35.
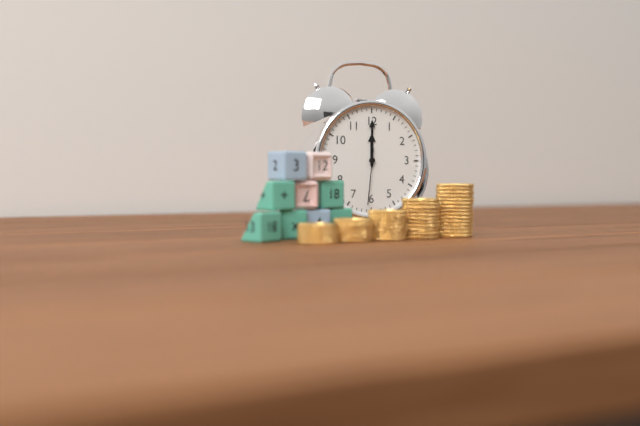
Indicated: 12,00,31
